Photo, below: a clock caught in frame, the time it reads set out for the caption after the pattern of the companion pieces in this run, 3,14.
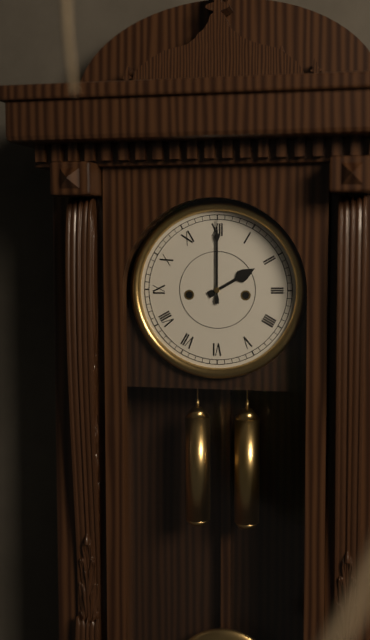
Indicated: 2,00
